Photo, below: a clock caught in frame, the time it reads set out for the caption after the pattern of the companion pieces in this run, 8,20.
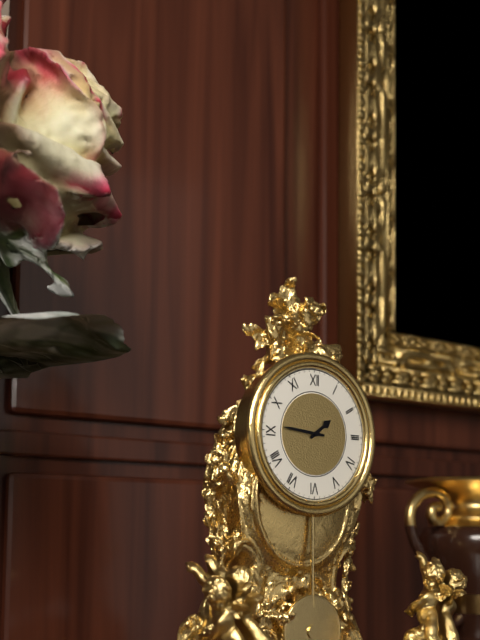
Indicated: 1,46
